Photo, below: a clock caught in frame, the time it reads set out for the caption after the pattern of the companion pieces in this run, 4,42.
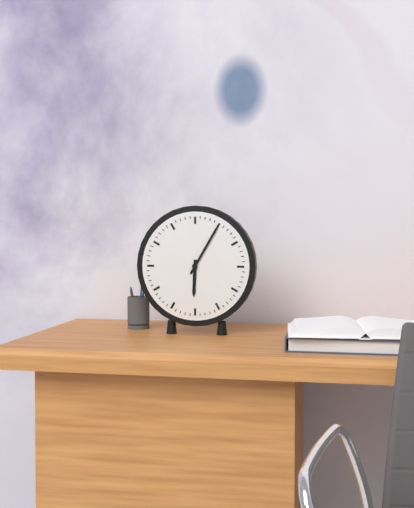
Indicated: 6,05
